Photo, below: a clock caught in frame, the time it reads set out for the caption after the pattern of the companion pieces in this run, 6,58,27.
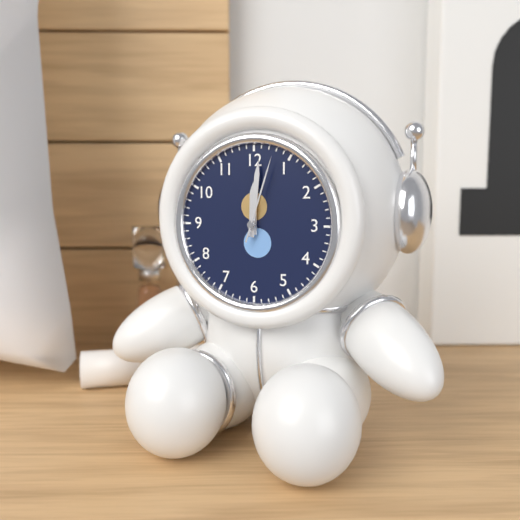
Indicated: 12,01,03
